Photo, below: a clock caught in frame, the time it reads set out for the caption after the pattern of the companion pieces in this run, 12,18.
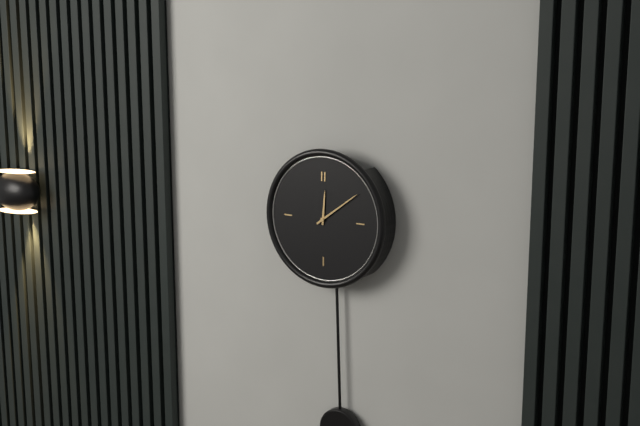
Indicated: 12,09
